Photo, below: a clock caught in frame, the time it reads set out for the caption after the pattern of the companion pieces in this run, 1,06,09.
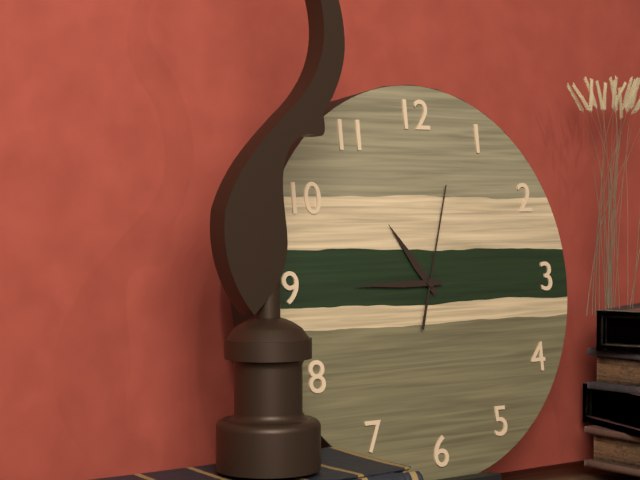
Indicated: 10,45,03
